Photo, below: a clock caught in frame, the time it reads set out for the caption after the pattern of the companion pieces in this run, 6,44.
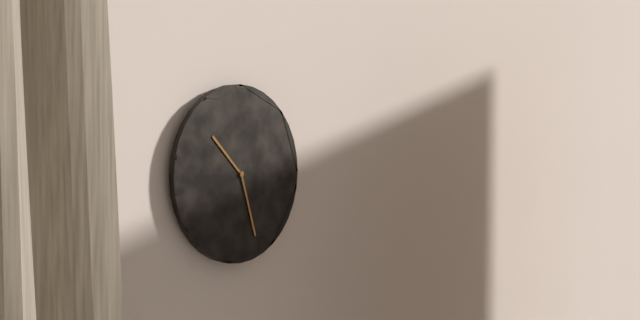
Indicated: 10,27
